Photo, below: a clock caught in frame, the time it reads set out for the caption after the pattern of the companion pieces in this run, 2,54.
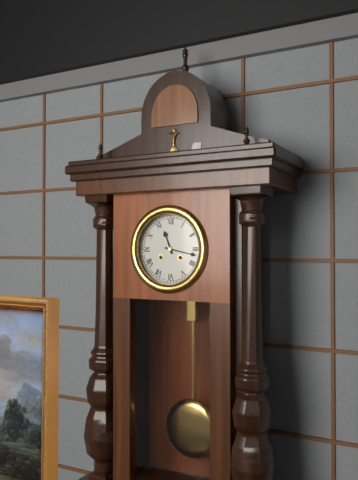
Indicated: 11,17
